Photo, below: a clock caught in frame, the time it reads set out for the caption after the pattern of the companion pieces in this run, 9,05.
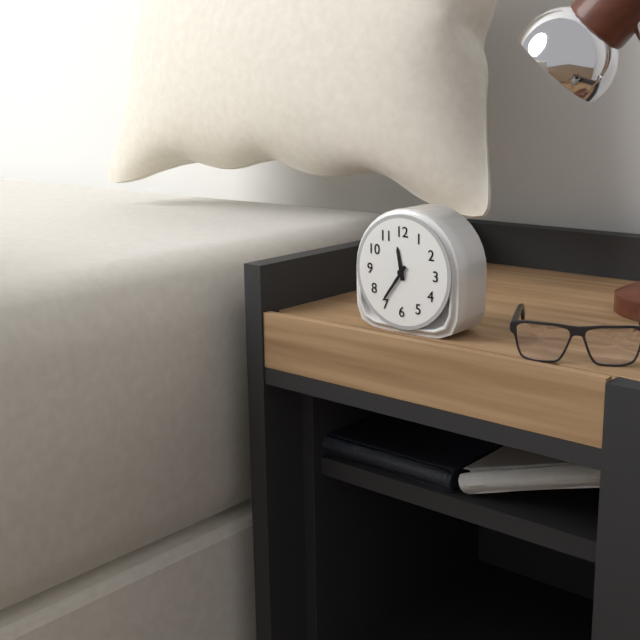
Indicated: 11,36
